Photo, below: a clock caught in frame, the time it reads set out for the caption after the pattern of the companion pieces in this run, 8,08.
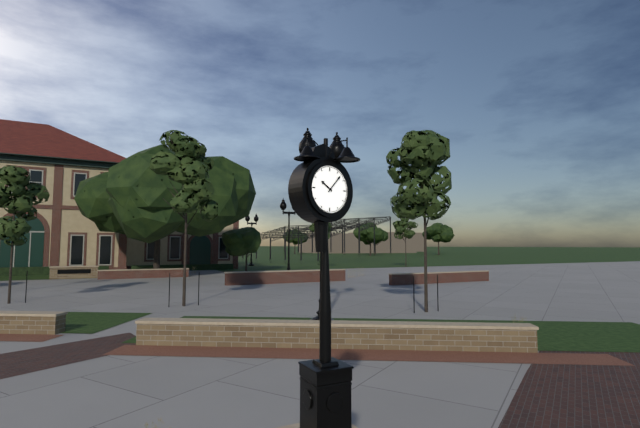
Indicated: 10,07
